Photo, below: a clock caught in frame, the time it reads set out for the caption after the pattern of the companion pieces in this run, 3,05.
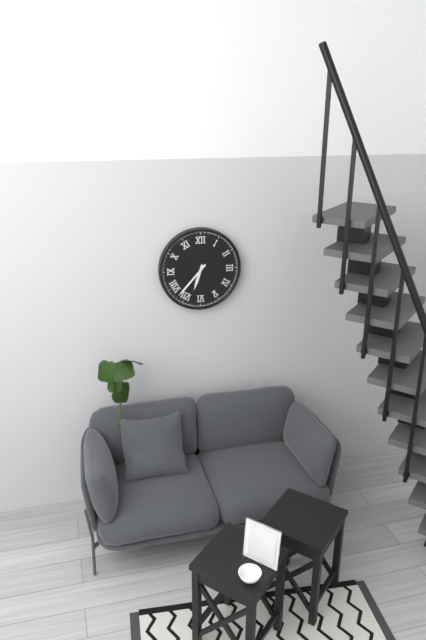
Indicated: 6,37
